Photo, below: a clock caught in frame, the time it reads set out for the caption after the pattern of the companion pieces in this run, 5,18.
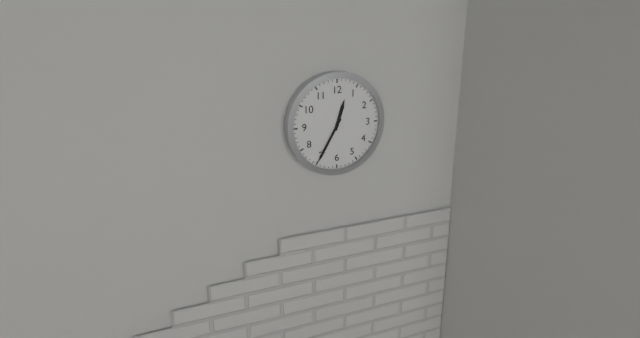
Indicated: 12,35
